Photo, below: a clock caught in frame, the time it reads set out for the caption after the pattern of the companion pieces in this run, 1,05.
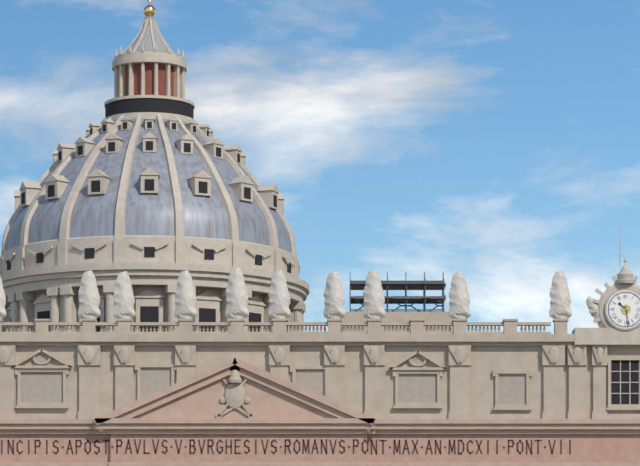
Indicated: 10,28
